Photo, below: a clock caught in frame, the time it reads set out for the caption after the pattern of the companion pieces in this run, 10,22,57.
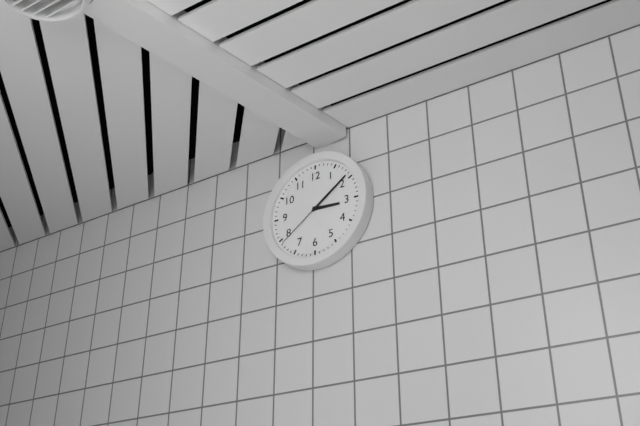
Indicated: 3,09,39
